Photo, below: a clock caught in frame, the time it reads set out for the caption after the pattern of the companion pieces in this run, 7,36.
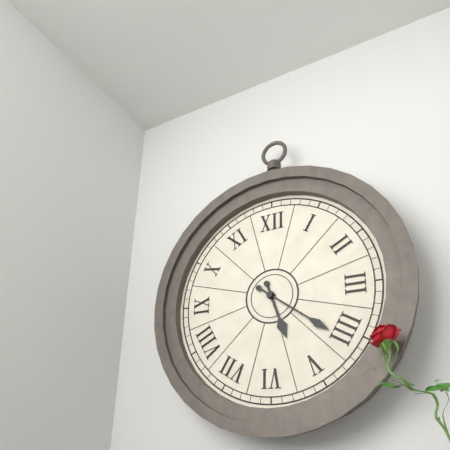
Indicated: 5,21
